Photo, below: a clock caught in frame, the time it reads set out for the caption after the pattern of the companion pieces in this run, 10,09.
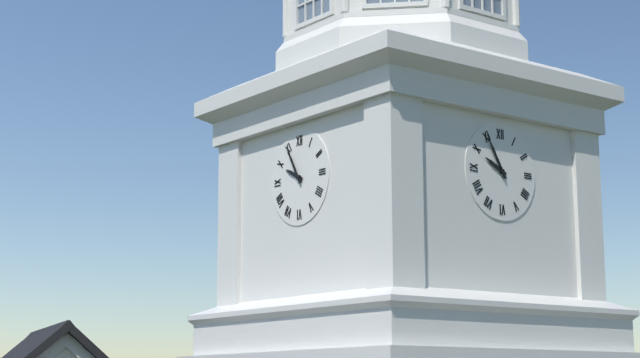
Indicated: 9,55
